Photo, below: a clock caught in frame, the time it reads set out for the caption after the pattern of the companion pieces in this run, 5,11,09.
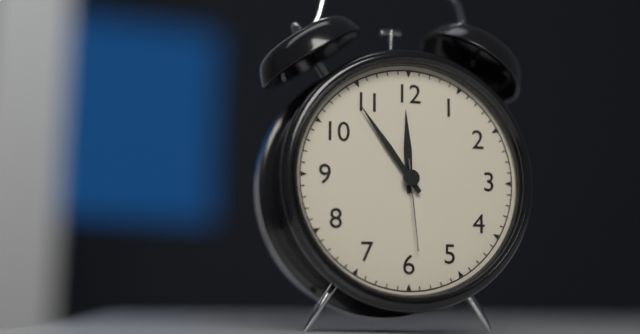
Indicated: 11,54,29
